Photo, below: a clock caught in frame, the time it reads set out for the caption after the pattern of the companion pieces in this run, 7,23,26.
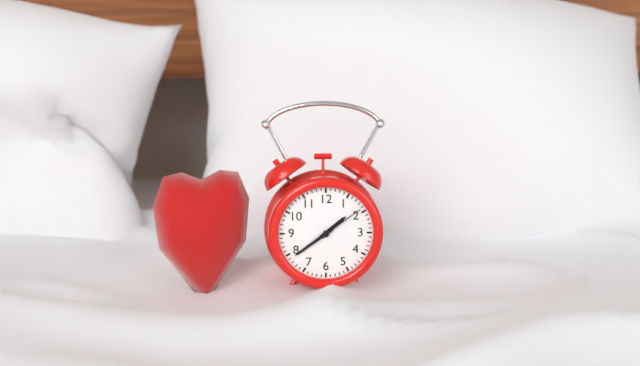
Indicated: 1,39,09
